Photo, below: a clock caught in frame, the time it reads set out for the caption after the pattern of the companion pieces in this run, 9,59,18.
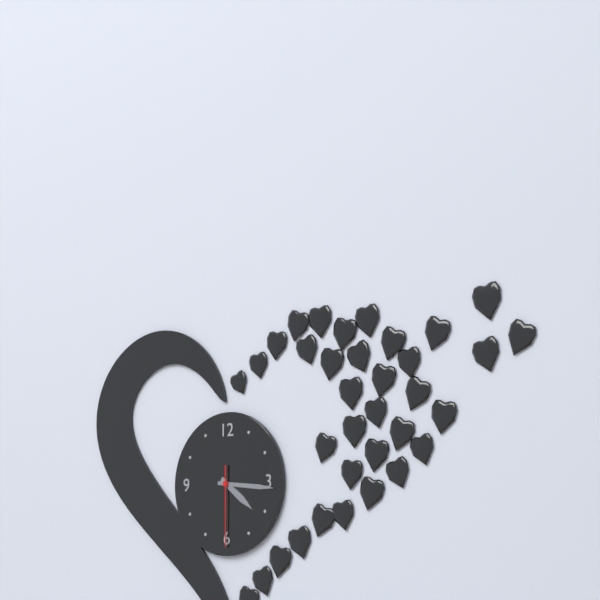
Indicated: 4,16,30
